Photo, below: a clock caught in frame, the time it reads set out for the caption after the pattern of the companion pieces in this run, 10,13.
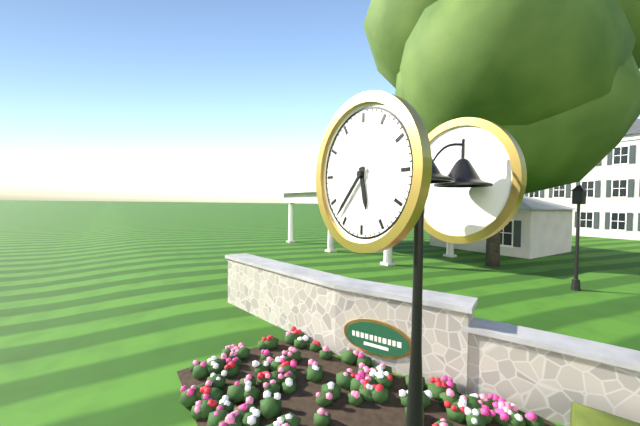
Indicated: 5,37
